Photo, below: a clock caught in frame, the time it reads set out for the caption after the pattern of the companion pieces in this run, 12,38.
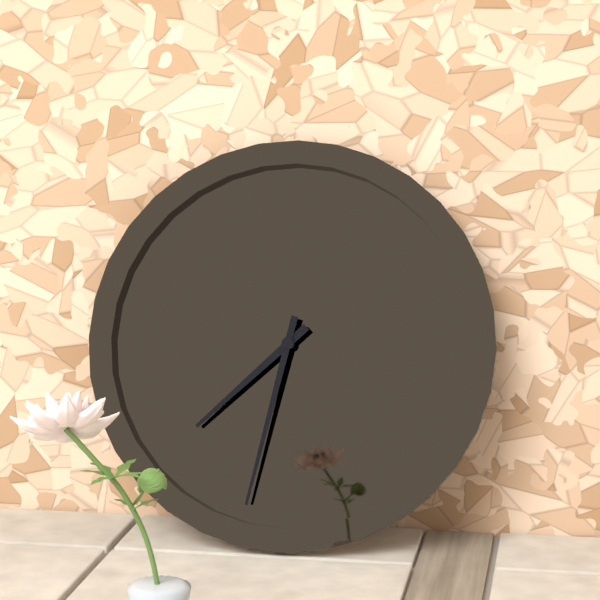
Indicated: 7,32
